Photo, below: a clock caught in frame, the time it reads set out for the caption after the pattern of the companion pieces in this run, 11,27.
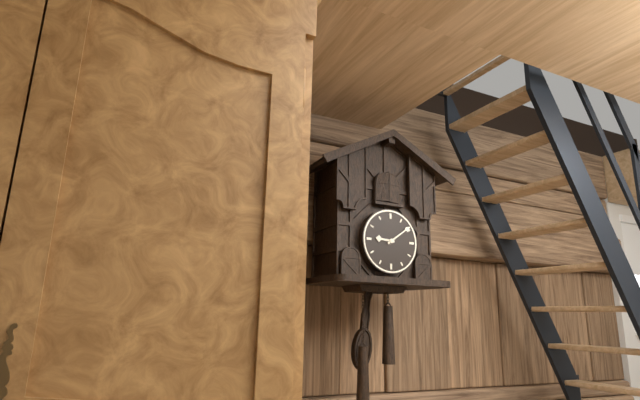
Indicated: 9,09
